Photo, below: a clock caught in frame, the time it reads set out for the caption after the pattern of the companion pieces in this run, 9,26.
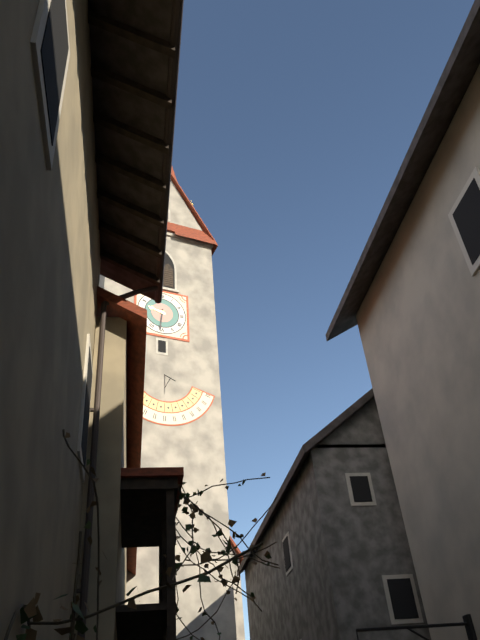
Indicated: 9,31
